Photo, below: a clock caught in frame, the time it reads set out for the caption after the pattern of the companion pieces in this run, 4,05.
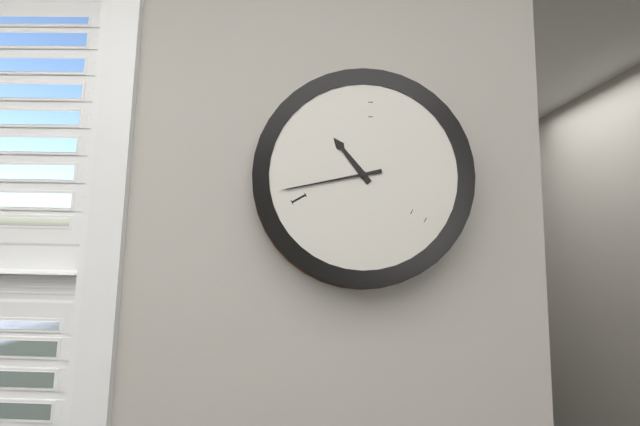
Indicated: 10,43
